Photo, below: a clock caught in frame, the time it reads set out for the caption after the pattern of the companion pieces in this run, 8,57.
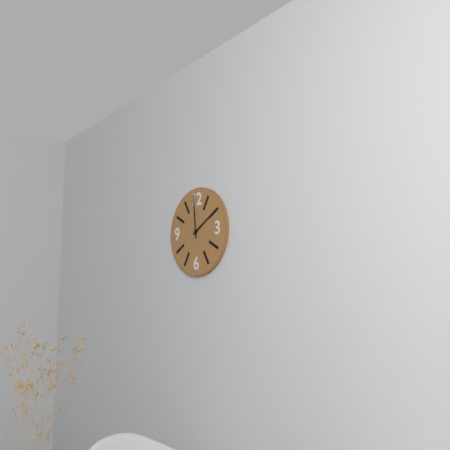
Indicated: 1,59
